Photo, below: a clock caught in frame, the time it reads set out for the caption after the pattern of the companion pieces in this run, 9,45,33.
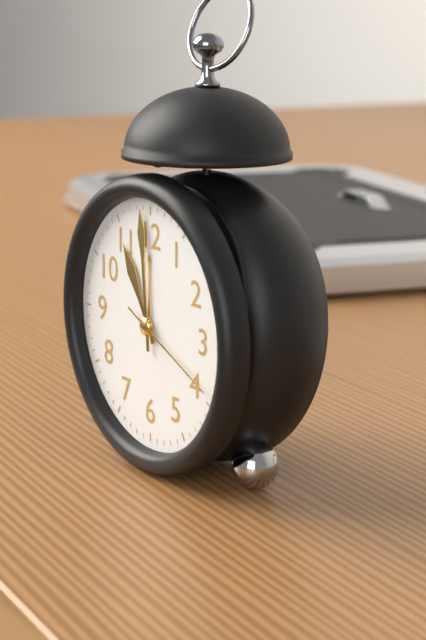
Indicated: 10,59,19
